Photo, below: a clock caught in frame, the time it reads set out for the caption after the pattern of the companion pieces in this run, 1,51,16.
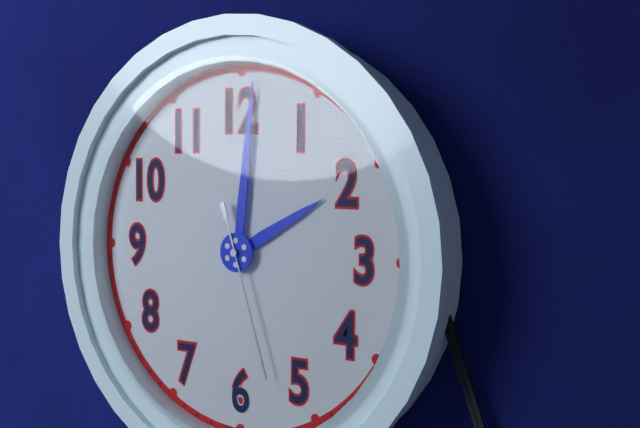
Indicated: 2,01,27
